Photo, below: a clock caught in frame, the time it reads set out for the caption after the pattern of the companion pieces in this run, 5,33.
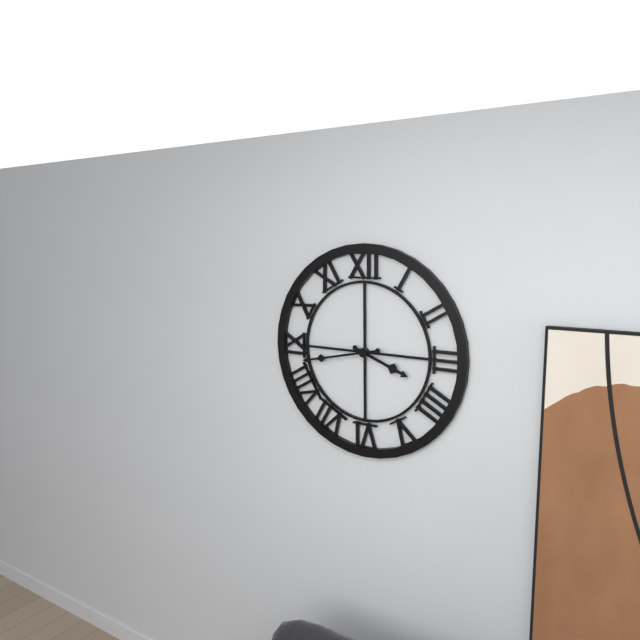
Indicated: 3,43
